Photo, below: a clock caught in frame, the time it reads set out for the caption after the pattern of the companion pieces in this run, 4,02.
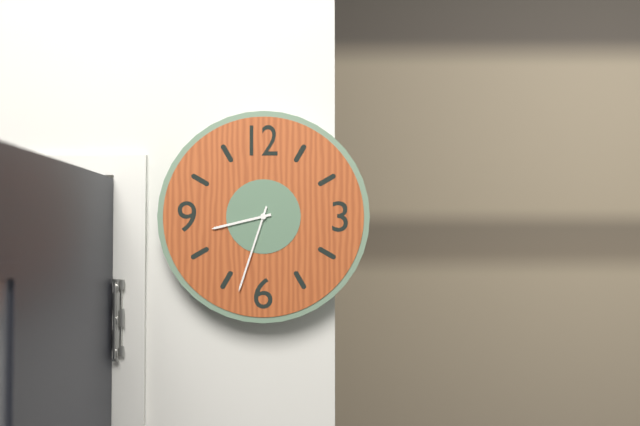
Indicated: 8,33
